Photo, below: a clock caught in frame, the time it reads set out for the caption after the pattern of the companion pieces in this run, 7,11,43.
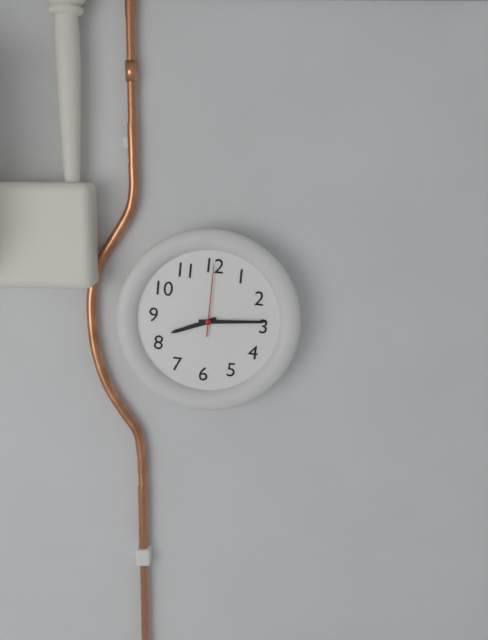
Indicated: 8,14,00
